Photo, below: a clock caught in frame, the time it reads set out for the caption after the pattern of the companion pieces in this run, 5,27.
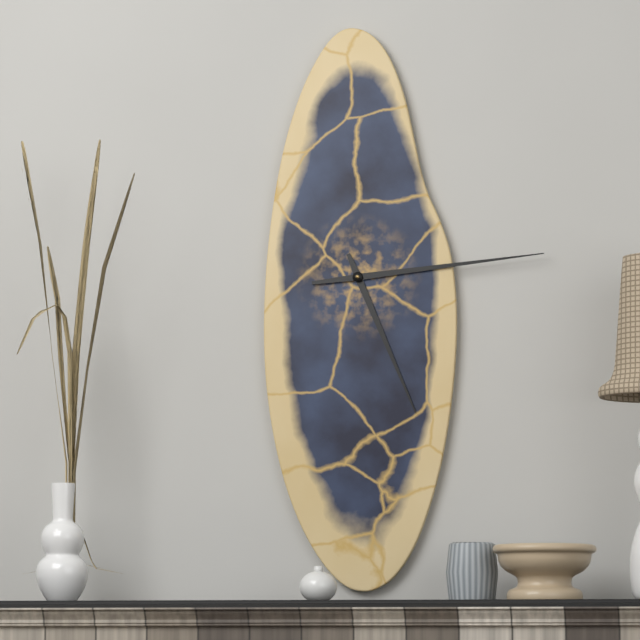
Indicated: 5,14
